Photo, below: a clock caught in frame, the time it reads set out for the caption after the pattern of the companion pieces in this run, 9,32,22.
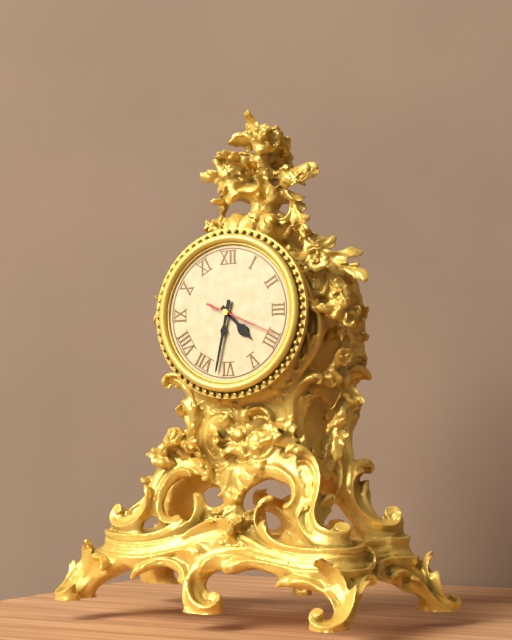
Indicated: 4,32,19
